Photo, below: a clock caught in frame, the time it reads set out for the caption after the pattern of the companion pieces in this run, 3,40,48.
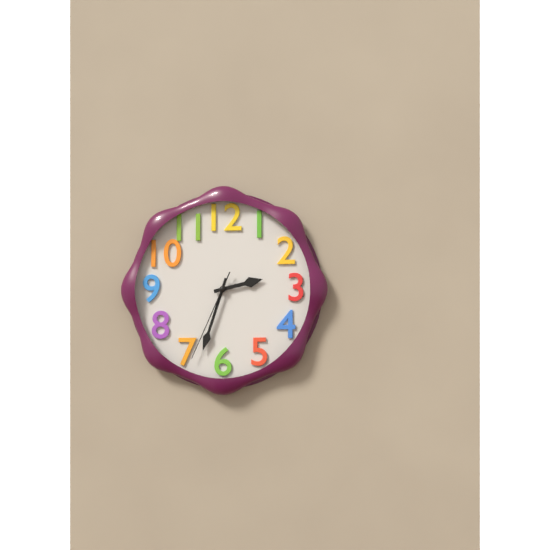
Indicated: 2,33,34
